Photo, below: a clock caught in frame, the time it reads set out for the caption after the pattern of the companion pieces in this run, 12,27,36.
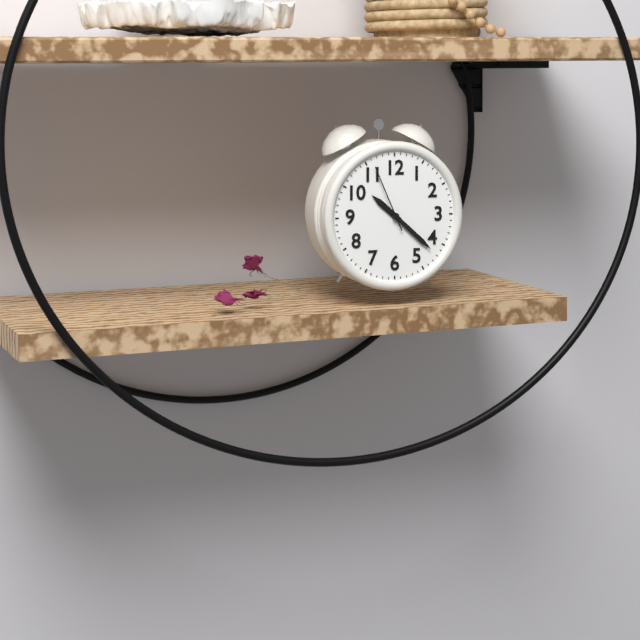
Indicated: 10,22,56
